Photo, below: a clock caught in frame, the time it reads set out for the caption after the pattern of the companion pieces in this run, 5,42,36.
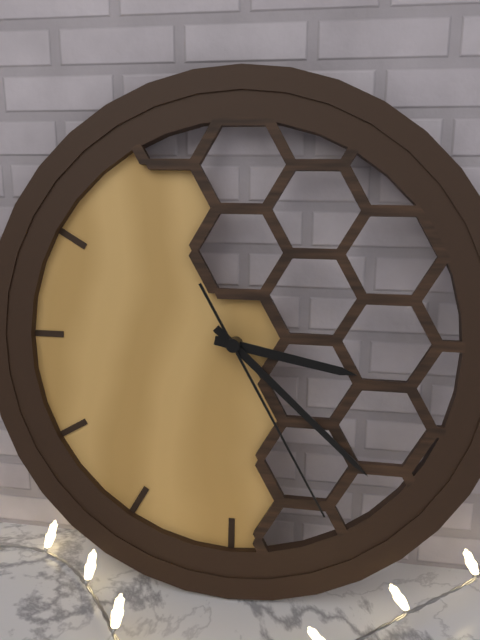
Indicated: 3,22,25
